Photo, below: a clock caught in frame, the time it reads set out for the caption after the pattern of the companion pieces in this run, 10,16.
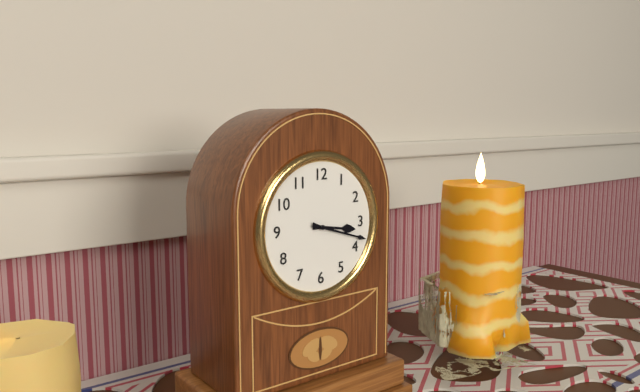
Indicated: 3,18
